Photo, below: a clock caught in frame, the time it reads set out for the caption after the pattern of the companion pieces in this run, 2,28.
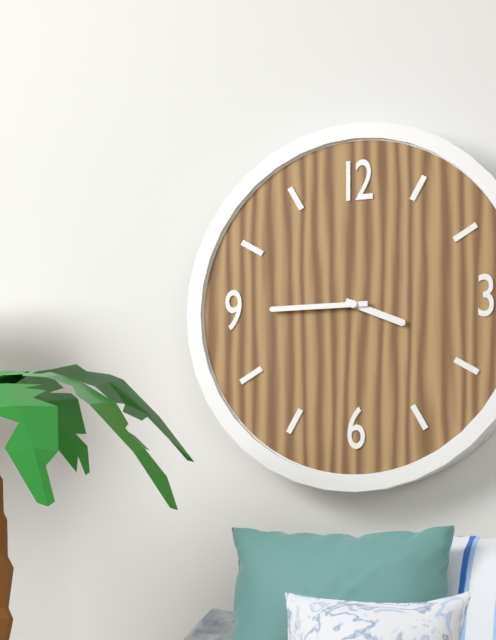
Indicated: 3,45
